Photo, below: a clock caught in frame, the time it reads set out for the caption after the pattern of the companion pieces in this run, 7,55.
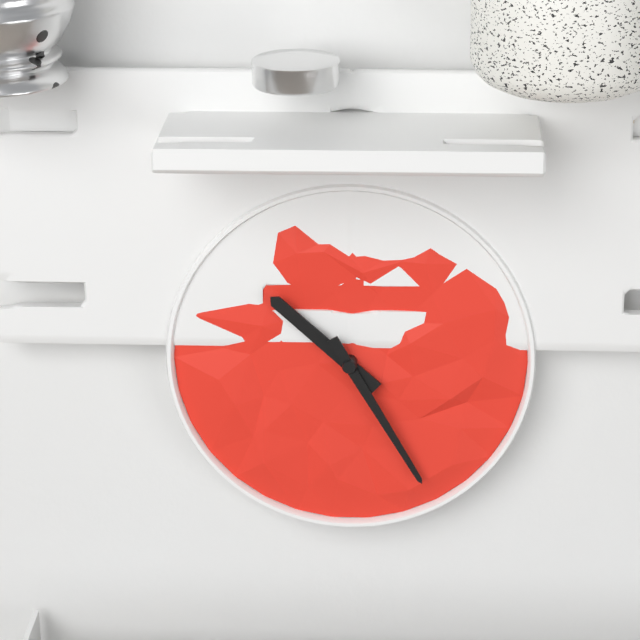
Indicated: 10,25
